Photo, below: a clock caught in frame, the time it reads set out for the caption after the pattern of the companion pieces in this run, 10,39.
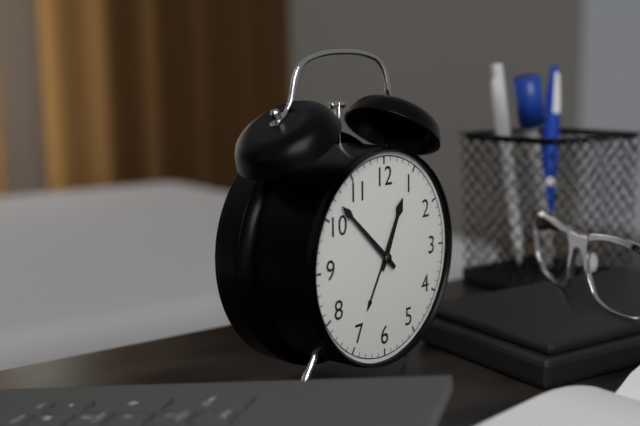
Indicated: 12,52
